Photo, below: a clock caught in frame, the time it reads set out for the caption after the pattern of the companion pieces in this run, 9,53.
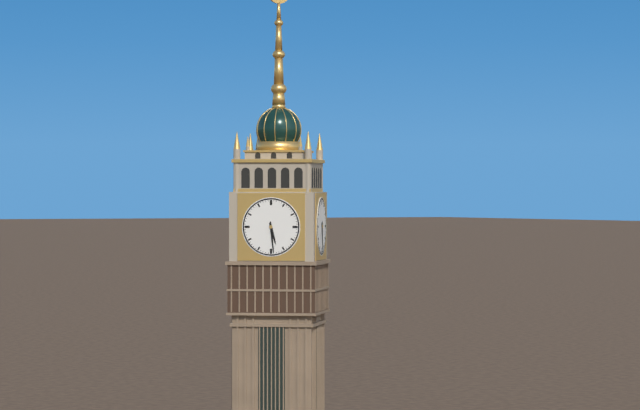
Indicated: 5,29
